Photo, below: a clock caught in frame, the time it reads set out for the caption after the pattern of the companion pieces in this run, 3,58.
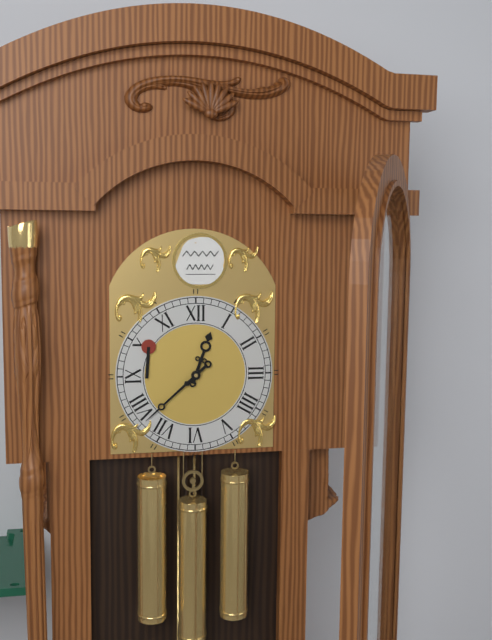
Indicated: 12,38
